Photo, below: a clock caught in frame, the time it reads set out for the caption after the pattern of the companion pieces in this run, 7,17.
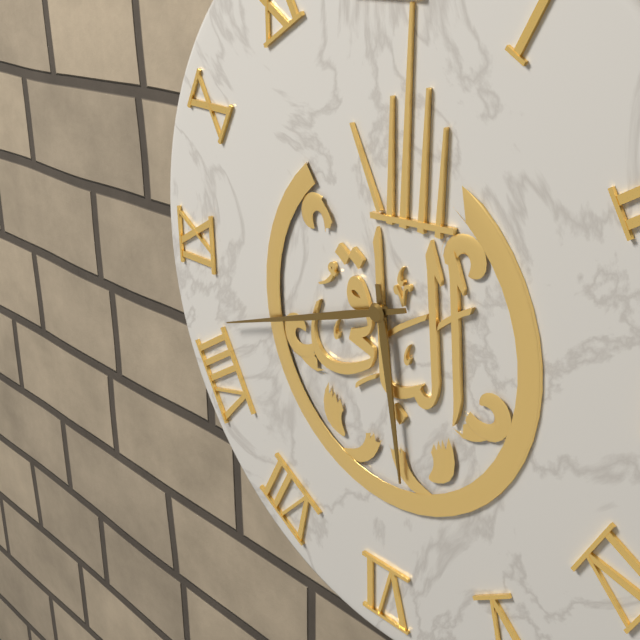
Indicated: 5,42
